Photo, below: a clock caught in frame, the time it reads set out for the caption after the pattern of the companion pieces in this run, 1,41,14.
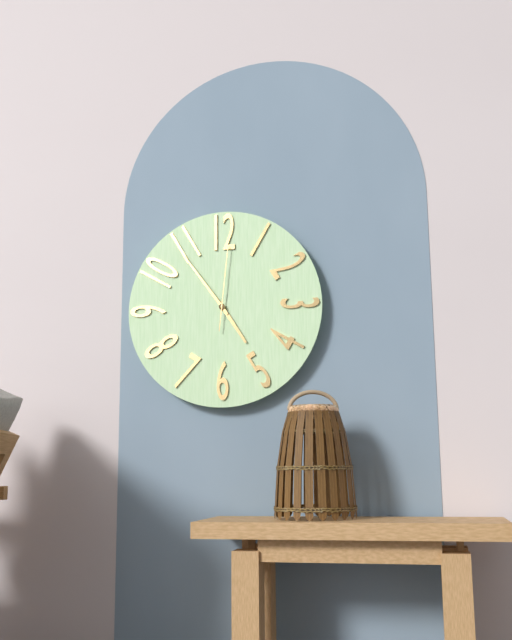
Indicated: 4,54,01
